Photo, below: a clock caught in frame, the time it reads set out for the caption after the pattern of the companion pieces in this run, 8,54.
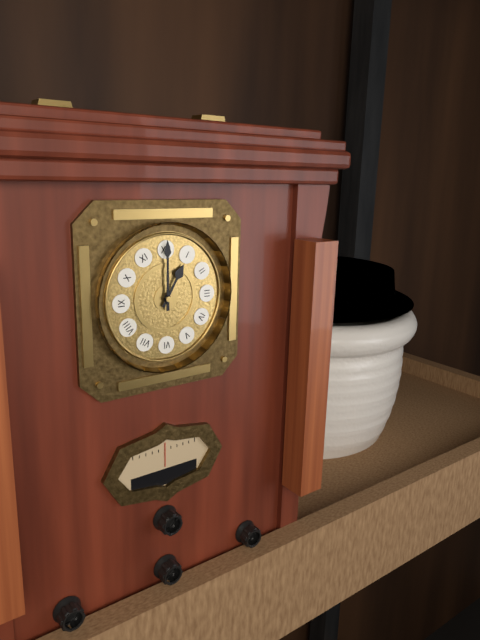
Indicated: 1,00
